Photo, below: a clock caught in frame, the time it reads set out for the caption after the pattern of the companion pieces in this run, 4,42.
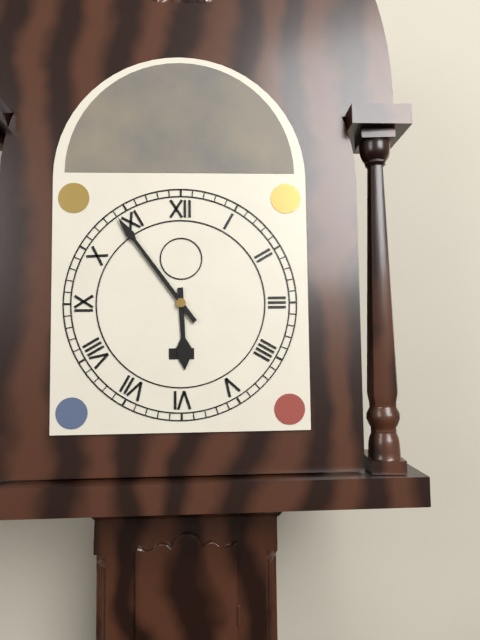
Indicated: 5,54
